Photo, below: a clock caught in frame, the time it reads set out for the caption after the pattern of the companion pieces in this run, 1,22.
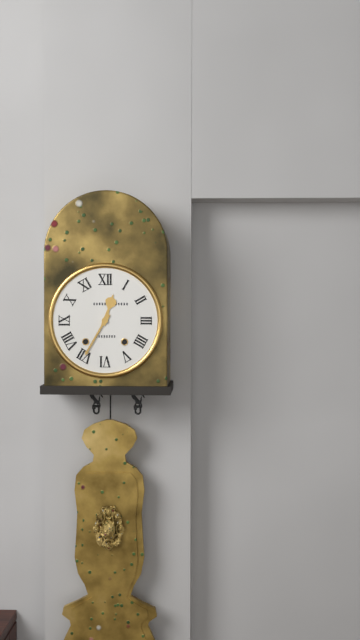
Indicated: 12,35
